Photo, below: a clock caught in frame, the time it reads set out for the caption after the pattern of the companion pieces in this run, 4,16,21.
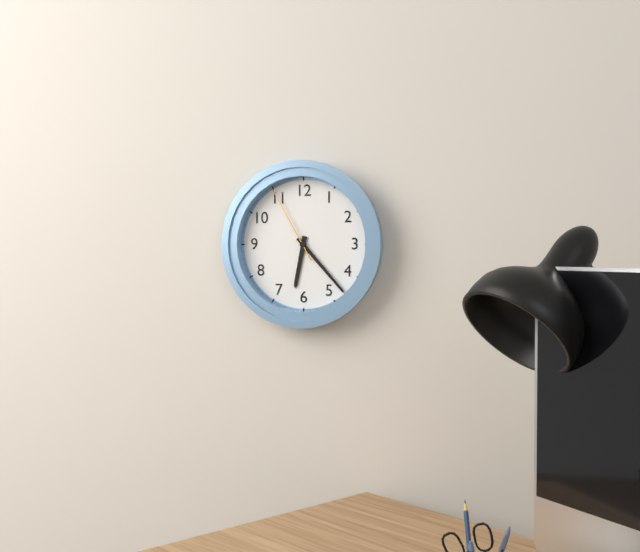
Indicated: 6,23,55
